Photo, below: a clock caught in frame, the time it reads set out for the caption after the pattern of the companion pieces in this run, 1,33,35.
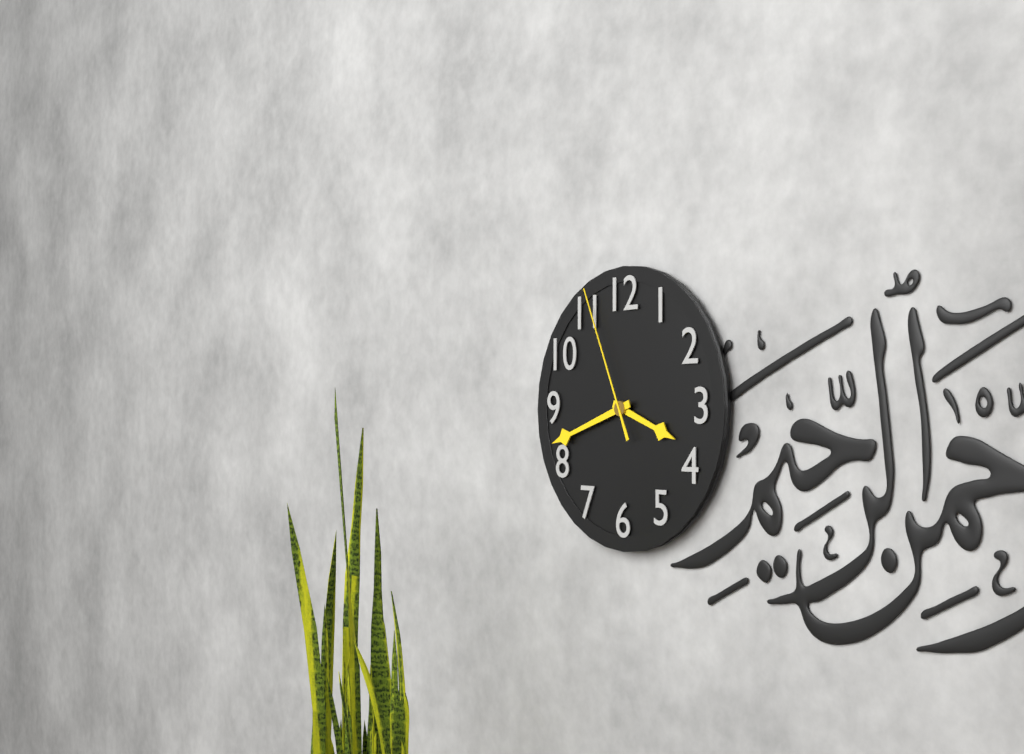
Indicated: 3,42,56
